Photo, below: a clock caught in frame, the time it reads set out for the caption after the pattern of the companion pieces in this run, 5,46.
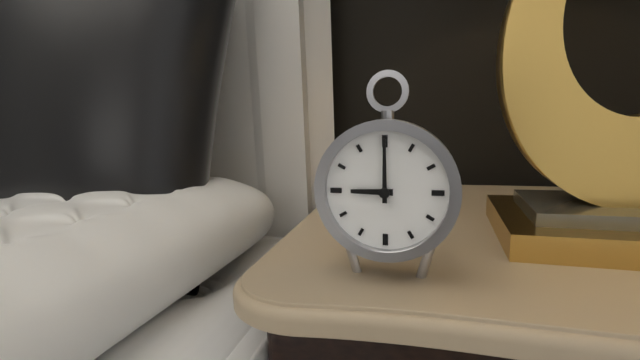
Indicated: 9,00
